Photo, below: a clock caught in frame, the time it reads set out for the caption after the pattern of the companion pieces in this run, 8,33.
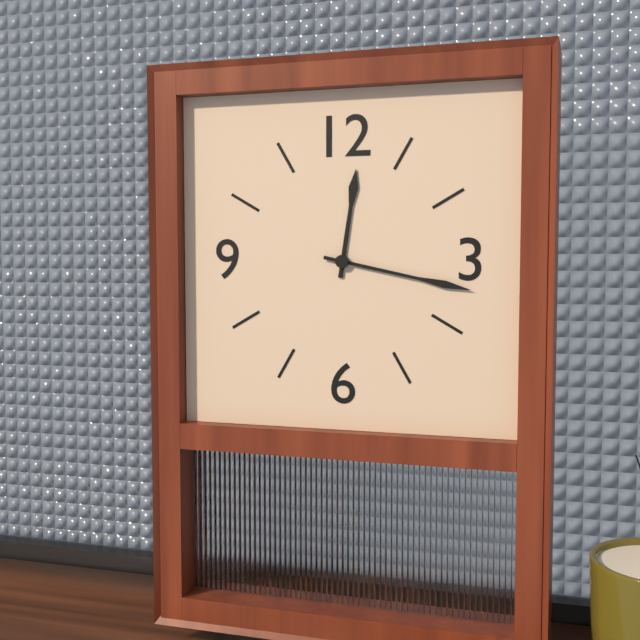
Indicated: 12,17
